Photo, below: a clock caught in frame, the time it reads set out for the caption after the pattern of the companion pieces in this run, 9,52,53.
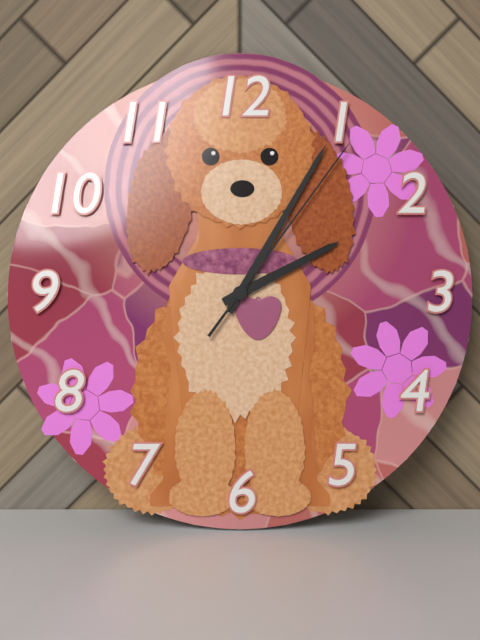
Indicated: 2,05,06
